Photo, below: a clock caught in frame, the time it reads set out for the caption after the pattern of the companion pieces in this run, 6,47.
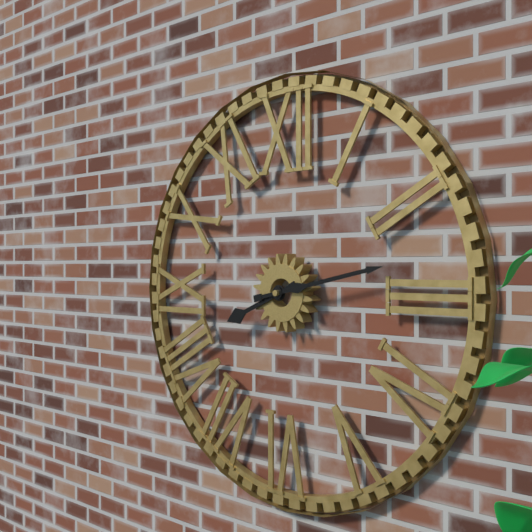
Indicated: 8,13
